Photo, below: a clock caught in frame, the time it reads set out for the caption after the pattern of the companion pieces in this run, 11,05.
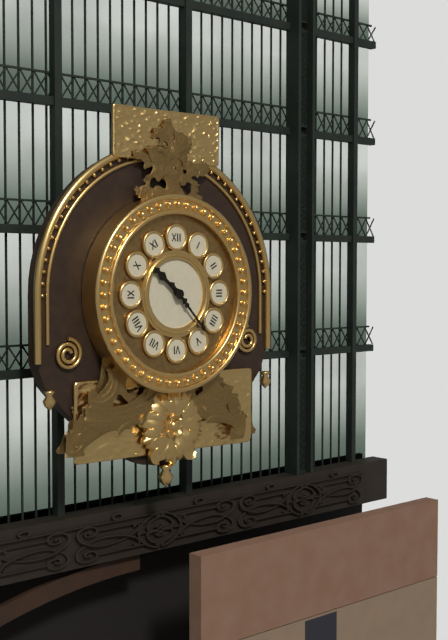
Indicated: 10,23
